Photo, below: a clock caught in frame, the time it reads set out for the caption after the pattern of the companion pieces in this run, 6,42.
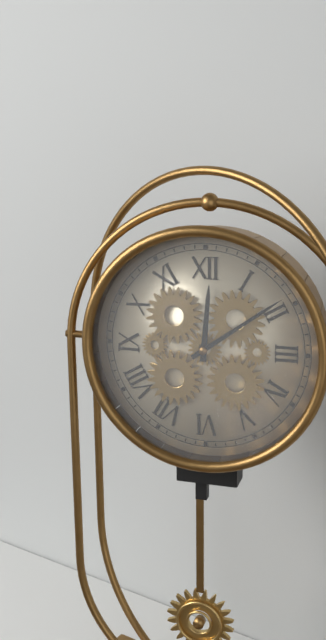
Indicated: 12,09
